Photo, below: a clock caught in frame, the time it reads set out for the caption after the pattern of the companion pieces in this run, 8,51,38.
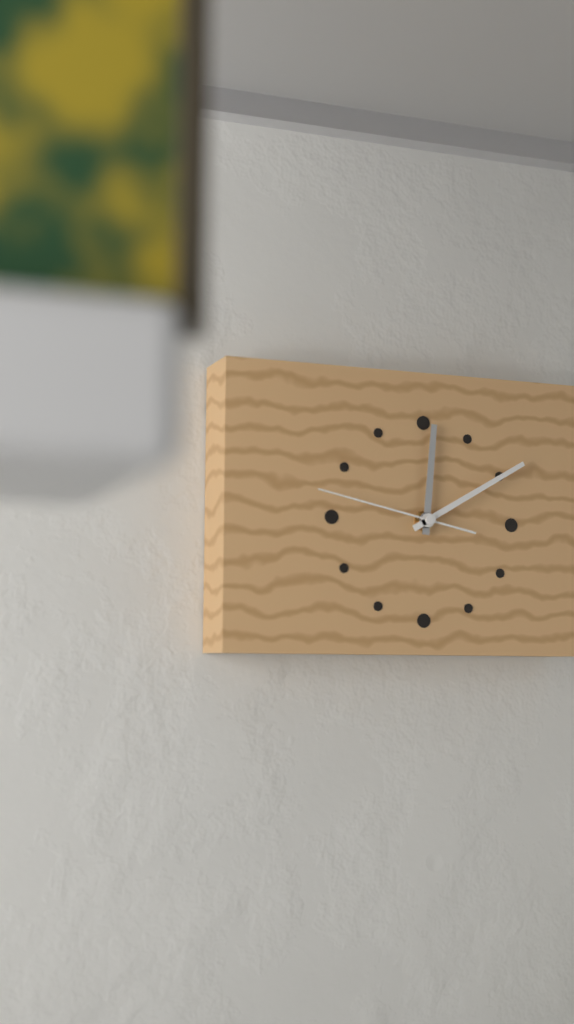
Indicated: 12,10,47
